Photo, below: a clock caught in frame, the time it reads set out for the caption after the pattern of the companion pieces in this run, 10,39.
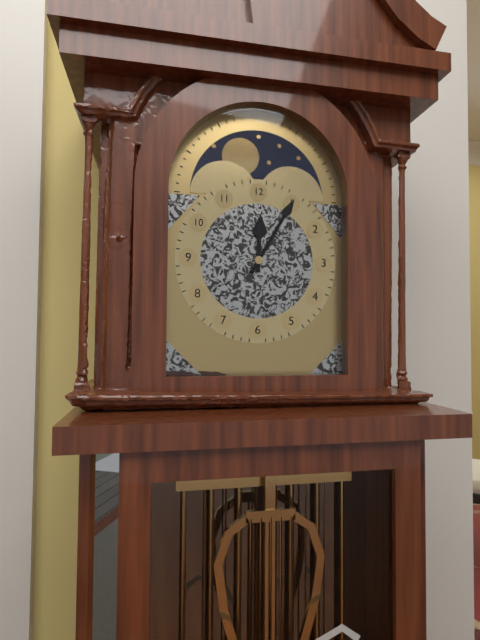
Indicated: 12,05
